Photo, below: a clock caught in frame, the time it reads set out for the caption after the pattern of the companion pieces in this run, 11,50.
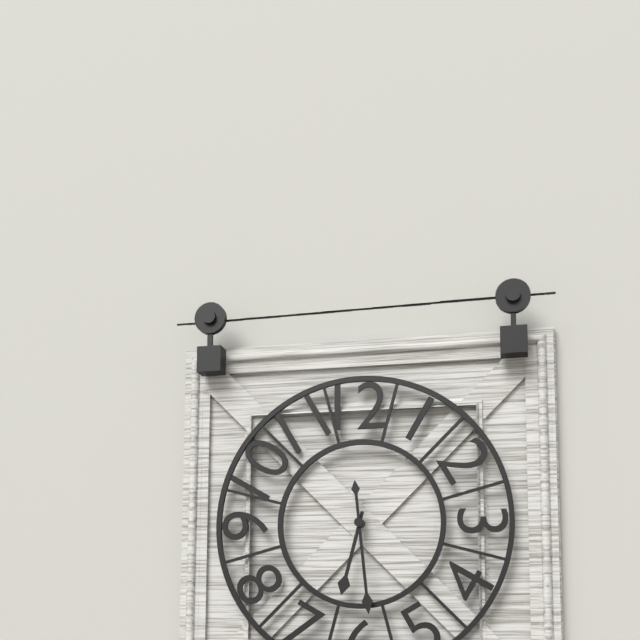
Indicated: 6,29
